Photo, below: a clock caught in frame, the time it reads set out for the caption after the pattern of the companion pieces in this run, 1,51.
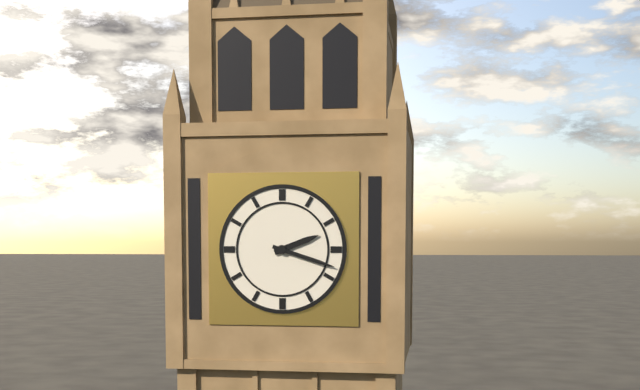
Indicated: 2,18
